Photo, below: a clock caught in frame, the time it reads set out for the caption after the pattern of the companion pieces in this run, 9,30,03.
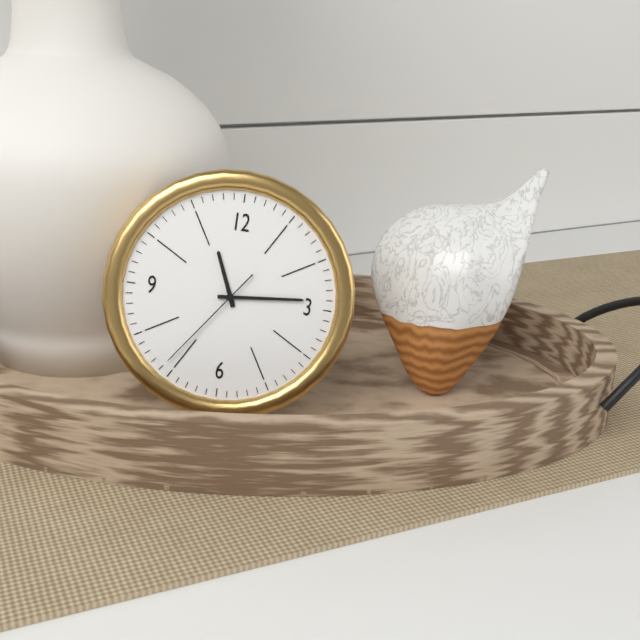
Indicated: 11,14,36
